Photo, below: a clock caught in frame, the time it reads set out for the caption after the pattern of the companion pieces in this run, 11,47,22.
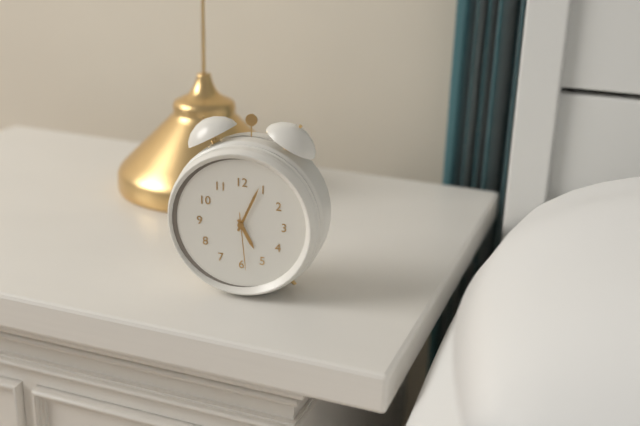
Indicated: 5,04,29
